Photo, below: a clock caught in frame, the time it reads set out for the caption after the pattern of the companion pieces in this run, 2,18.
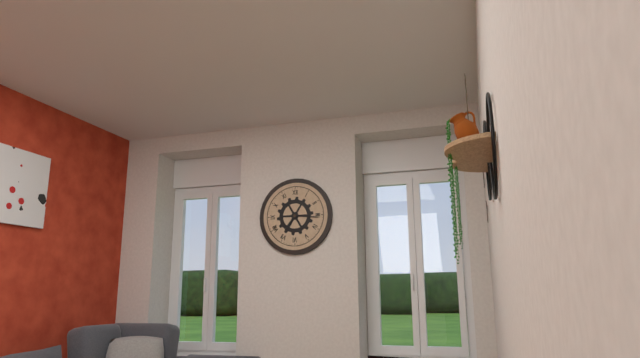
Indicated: 7,16
